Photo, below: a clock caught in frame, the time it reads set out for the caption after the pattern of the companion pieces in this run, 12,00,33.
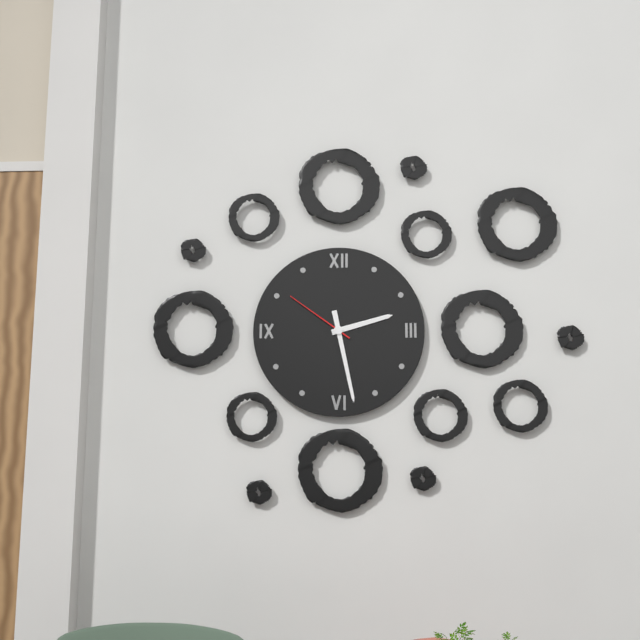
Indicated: 2,28,51
